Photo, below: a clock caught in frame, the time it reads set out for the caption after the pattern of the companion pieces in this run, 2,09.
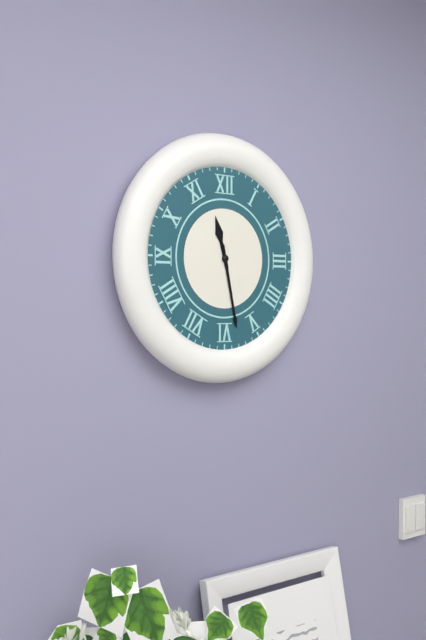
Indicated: 11,28
